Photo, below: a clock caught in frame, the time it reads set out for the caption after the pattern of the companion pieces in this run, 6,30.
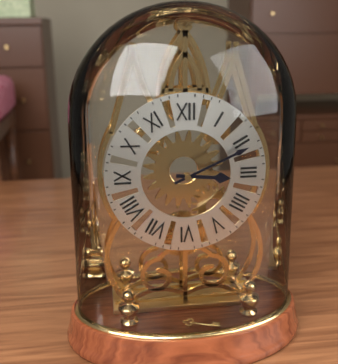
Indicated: 3,11
